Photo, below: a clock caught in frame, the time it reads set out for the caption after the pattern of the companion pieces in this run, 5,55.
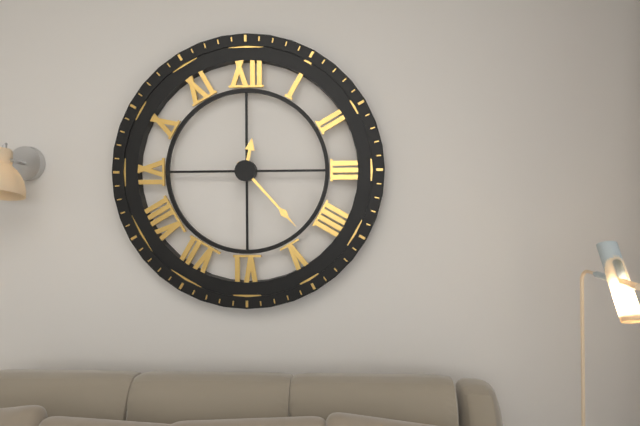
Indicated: 12,23
